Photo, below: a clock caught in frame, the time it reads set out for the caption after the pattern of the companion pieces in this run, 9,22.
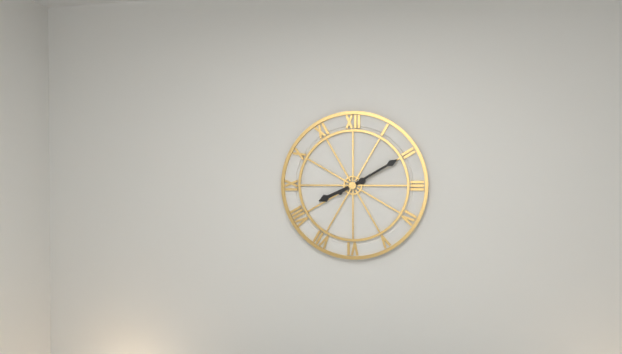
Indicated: 8,10
